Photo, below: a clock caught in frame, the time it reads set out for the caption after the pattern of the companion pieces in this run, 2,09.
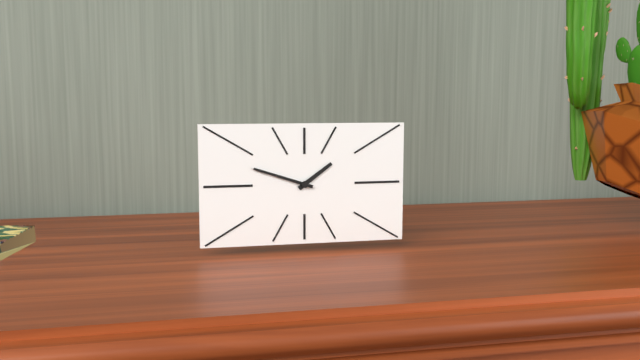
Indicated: 1,48
